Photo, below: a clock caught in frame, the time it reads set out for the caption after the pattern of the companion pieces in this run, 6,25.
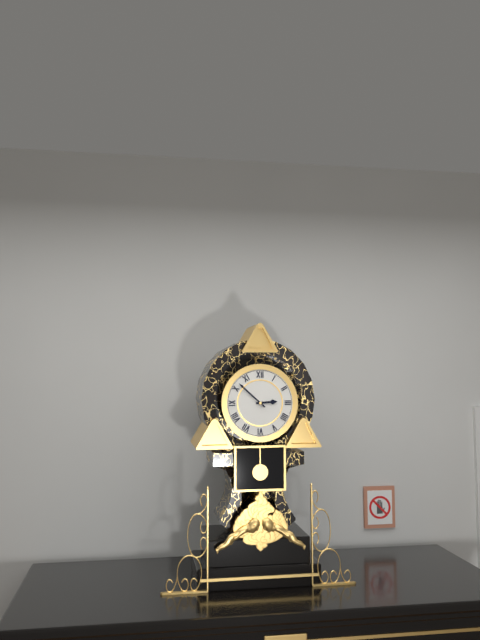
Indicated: 2,52
